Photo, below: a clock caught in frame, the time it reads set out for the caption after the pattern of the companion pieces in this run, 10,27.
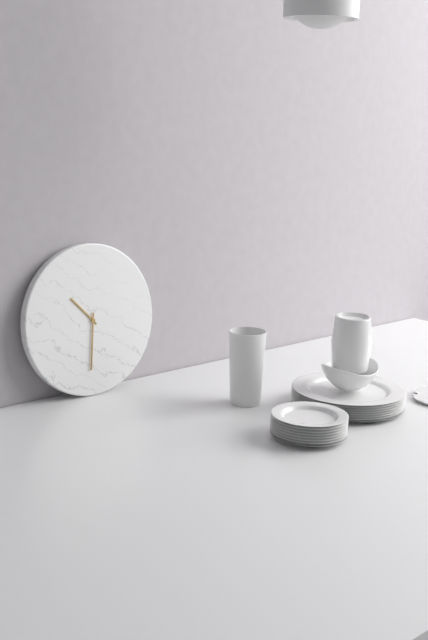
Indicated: 10,31
